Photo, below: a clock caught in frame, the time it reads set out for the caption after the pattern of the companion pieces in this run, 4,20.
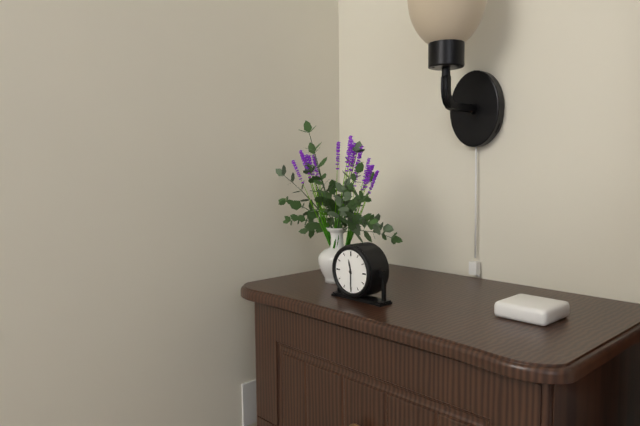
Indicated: 11,30
